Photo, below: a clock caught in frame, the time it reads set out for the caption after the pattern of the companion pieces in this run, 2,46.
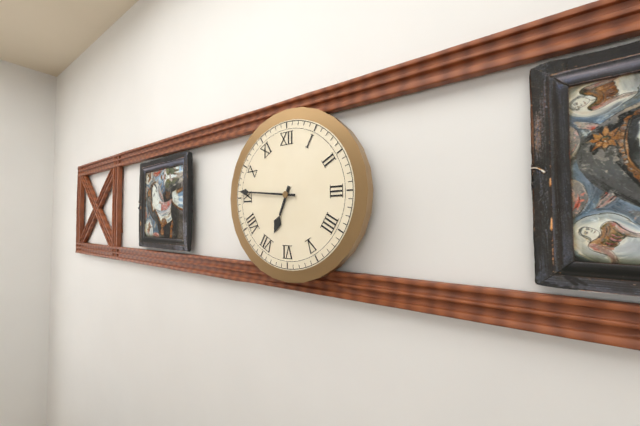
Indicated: 6,46
